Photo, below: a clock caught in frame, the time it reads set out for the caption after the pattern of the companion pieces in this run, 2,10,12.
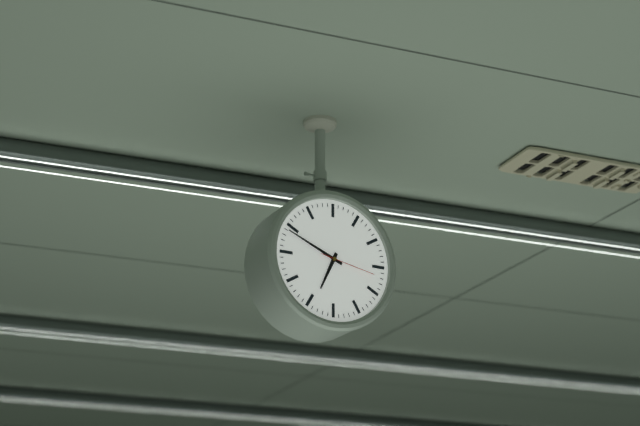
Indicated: 6,49,17
